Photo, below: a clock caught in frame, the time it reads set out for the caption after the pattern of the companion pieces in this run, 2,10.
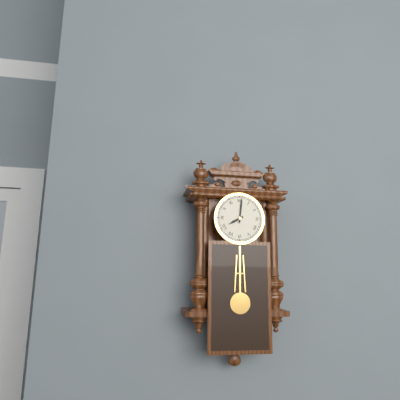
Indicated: 8,01
